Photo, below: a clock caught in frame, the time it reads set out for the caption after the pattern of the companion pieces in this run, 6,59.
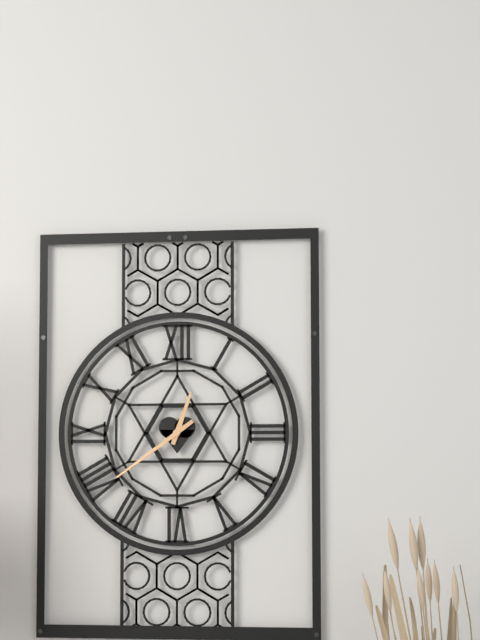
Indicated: 12,39
